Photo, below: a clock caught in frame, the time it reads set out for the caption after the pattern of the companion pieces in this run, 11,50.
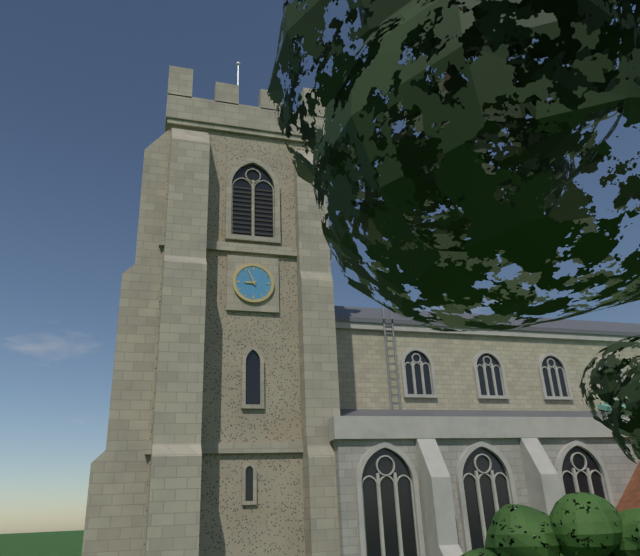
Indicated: 8,56
